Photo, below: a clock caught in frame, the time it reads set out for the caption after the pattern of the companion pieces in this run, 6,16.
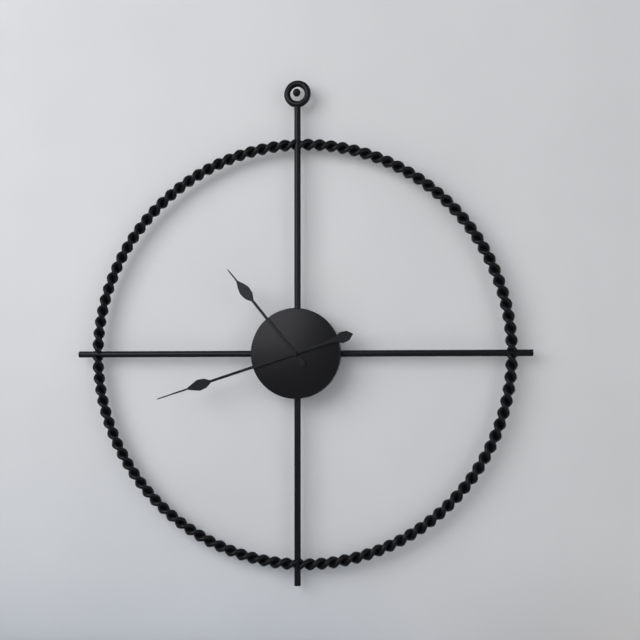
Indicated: 10,42
